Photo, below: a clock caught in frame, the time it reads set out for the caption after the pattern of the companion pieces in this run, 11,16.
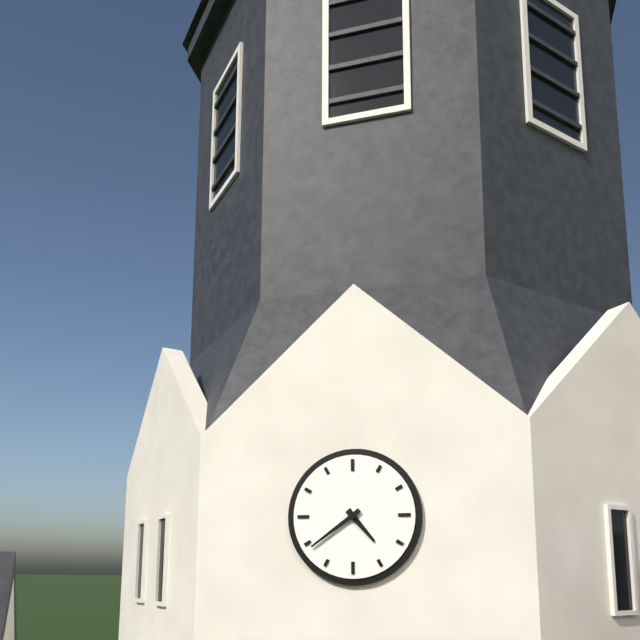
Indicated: 4,39
